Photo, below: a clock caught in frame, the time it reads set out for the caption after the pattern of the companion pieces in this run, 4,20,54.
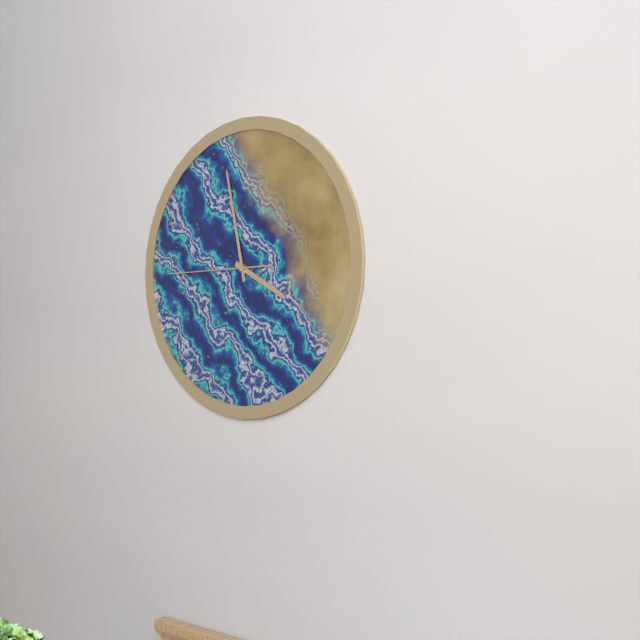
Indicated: 3,58,45
